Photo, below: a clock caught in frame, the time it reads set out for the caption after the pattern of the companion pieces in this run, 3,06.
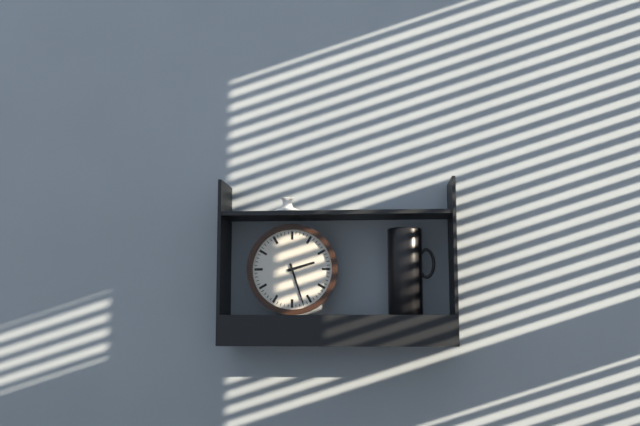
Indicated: 2,27
